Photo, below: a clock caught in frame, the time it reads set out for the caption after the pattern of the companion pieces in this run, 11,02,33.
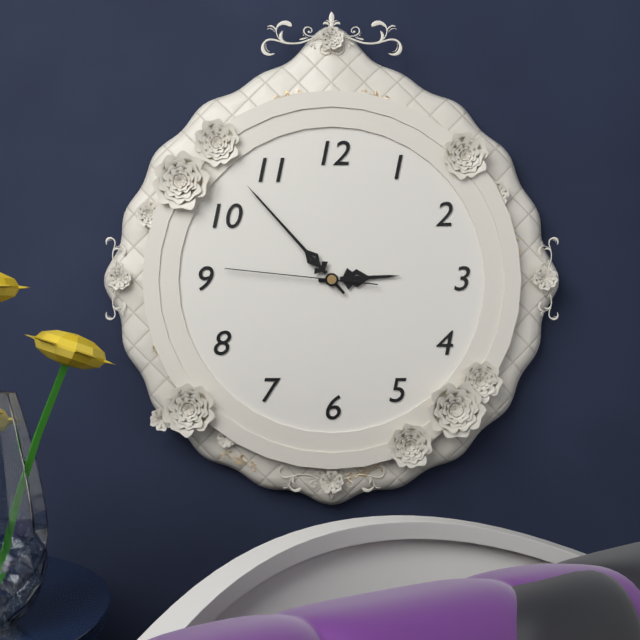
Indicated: 2,53,46
